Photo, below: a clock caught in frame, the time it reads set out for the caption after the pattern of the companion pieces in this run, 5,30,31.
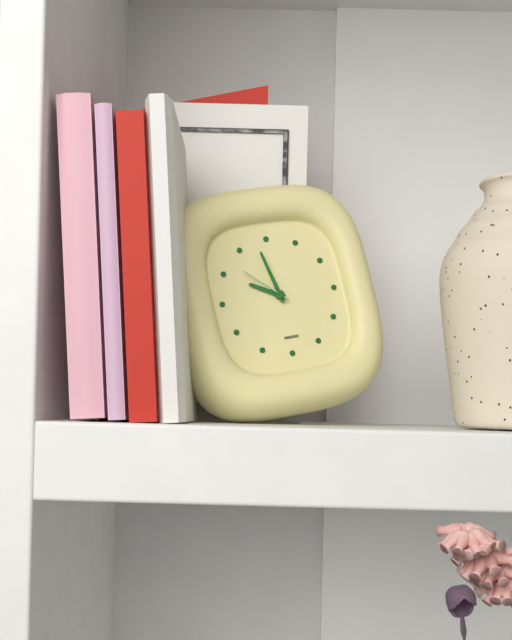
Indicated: 9,58,52
